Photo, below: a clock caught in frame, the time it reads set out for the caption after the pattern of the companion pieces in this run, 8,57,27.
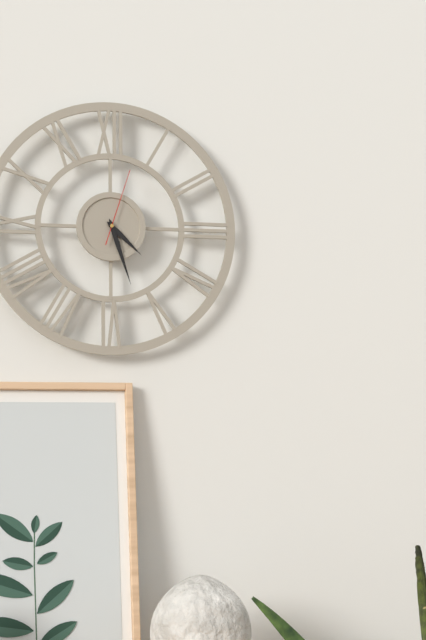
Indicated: 4,27,03
